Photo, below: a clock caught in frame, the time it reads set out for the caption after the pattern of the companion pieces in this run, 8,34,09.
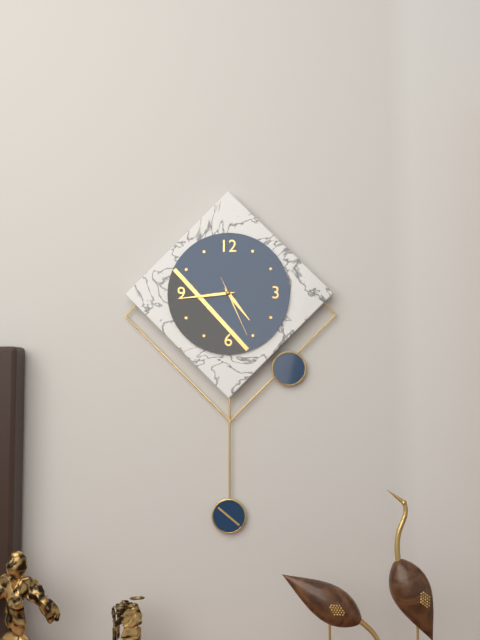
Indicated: 4,44,26
